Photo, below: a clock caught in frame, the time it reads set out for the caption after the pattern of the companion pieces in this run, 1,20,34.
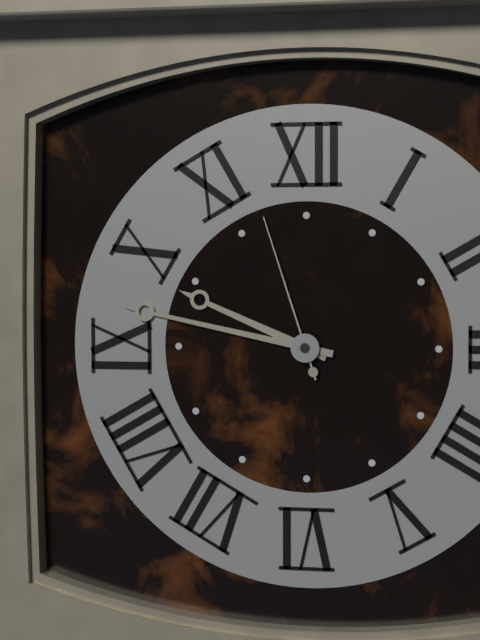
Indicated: 9,47,57
